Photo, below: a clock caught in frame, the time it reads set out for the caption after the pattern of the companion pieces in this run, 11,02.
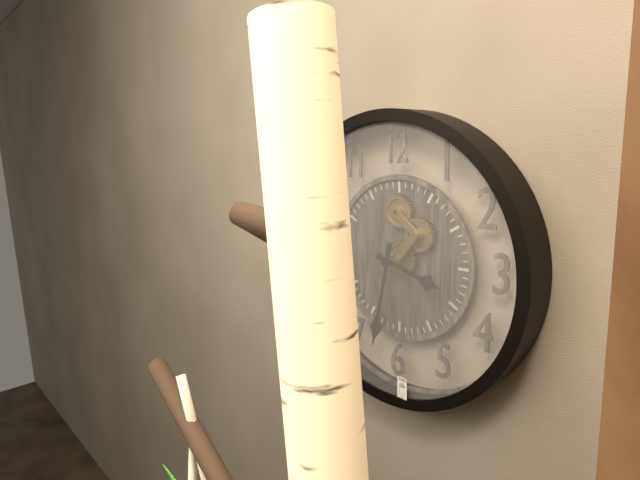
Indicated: 3,32
